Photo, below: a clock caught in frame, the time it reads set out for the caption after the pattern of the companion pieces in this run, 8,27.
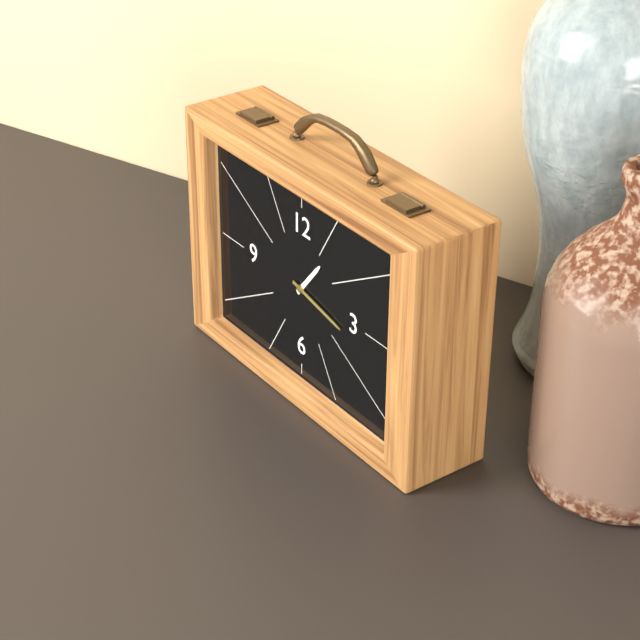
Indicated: 1,17
